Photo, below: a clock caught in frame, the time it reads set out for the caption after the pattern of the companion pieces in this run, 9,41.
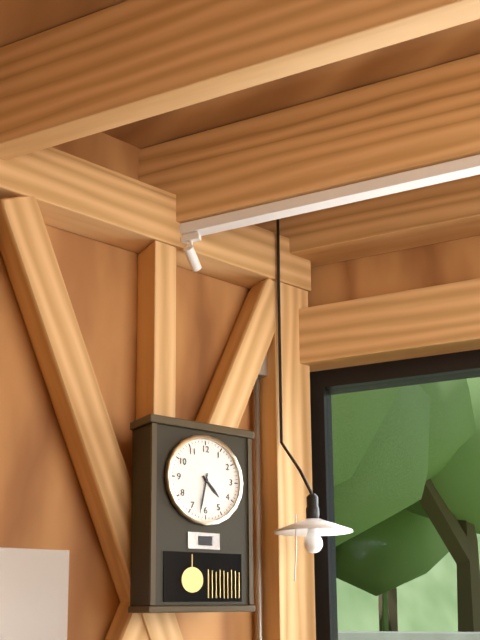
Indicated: 4,32
